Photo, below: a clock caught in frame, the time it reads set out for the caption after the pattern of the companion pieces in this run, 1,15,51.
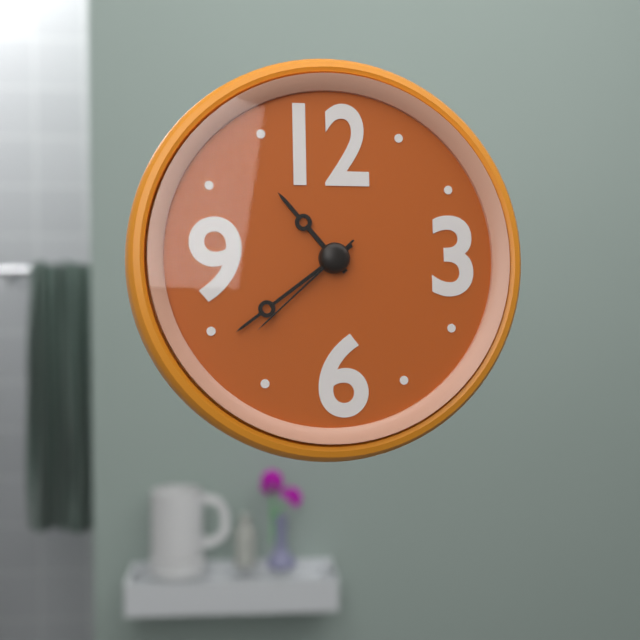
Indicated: 10,39,38
